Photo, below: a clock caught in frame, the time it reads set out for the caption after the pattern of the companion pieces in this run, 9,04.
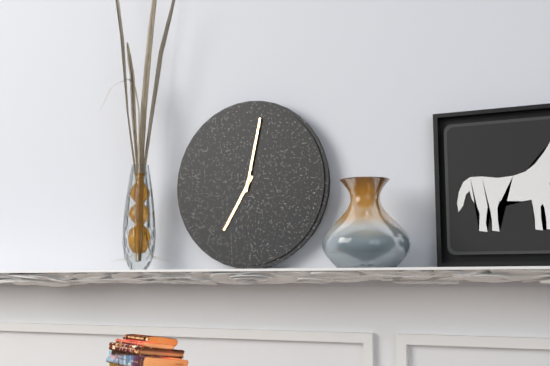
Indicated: 7,02
